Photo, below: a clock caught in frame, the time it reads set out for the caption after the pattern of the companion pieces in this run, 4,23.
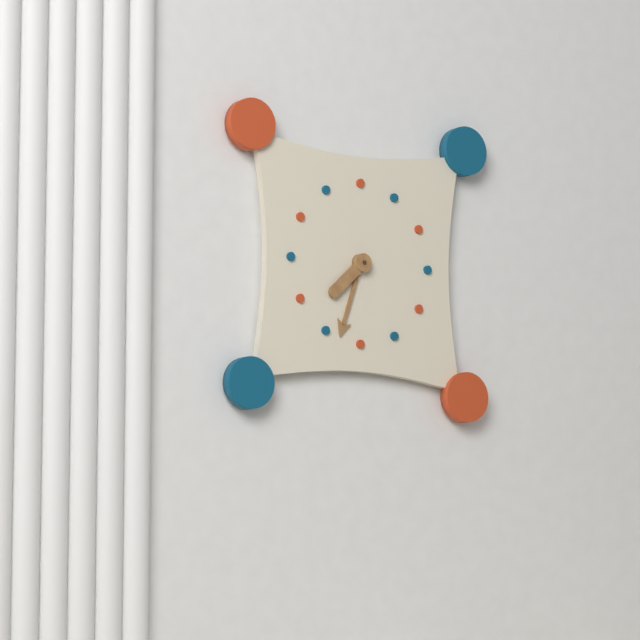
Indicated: 7,33
